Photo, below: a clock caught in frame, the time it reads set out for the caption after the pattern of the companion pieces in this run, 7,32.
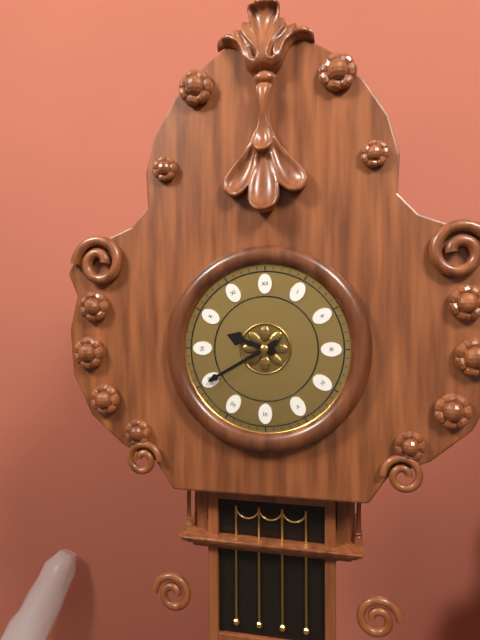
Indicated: 9,40
